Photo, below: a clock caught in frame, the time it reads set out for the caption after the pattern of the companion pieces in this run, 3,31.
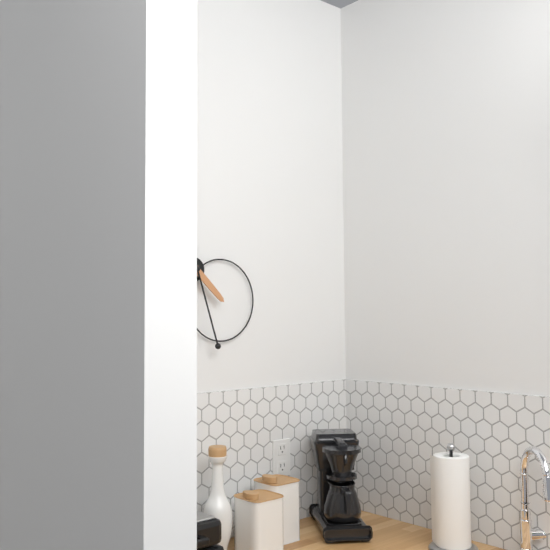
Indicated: 4,27
